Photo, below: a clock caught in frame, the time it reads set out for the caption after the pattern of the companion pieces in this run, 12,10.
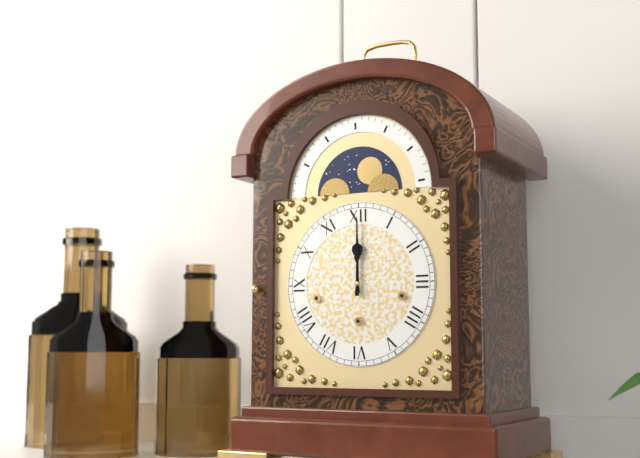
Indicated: 12,00
